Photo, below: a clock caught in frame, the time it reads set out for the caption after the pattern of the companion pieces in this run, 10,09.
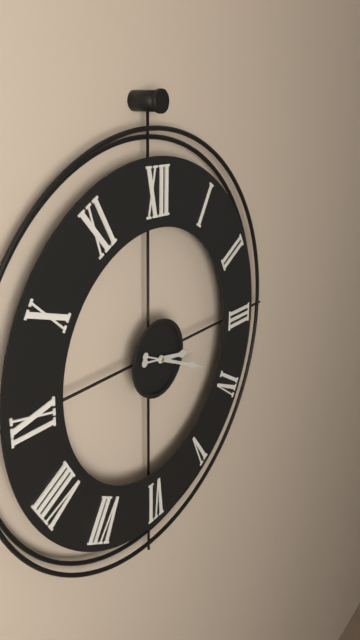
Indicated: 3,19
